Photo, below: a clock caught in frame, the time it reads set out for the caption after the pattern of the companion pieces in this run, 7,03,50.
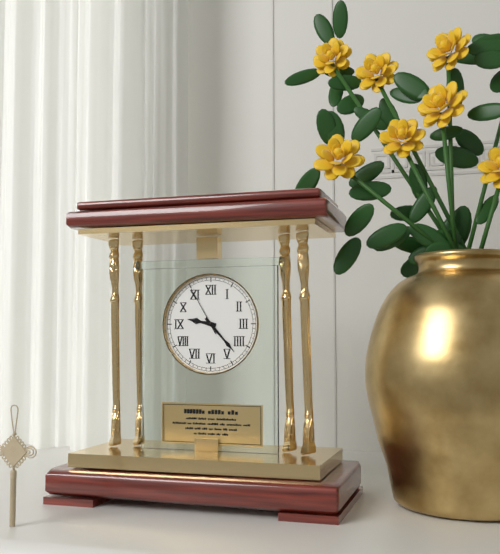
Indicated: 9,23,55
